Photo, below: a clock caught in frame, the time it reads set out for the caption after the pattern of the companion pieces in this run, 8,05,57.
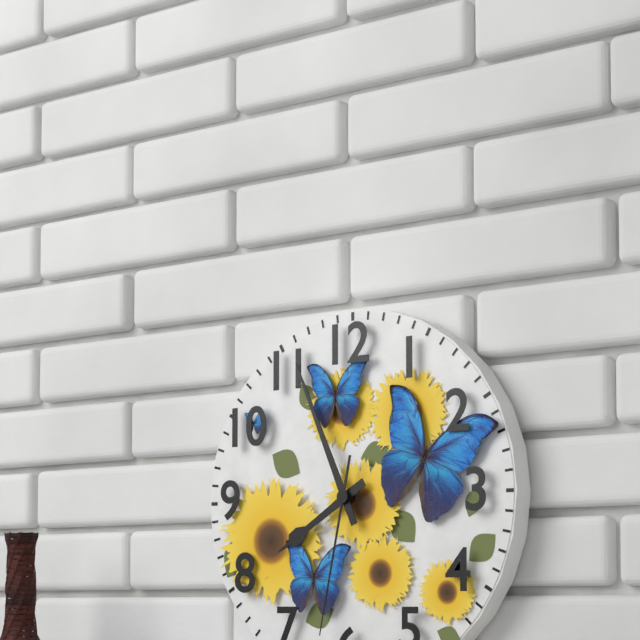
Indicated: 7,56,32
